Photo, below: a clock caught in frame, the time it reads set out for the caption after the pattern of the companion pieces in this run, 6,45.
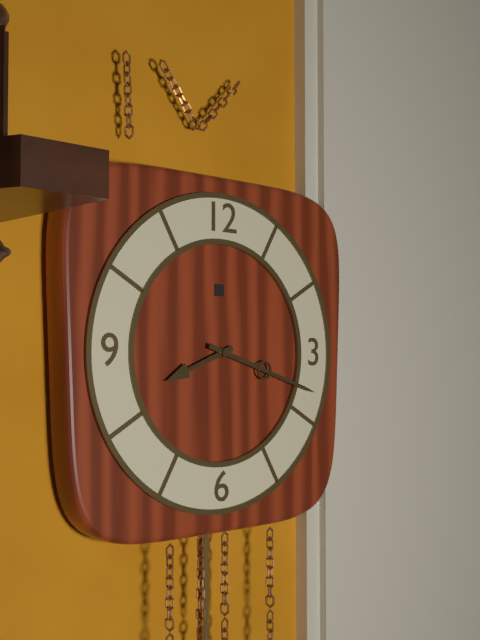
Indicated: 8,18
